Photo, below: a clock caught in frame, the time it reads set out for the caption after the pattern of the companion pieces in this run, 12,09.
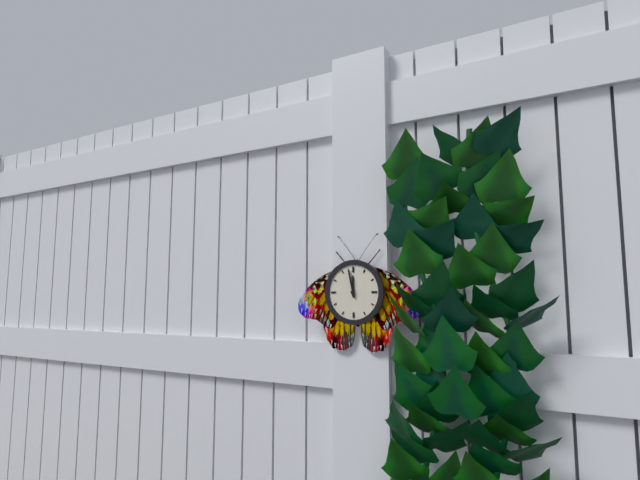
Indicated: 11,58
